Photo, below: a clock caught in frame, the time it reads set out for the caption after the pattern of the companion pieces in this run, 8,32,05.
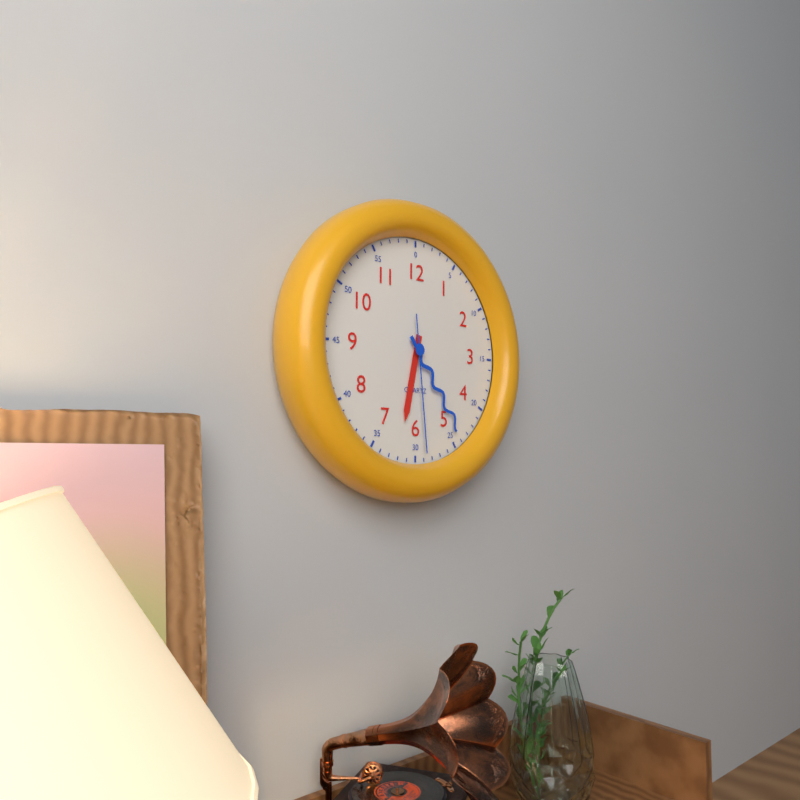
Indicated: 6,24,29
